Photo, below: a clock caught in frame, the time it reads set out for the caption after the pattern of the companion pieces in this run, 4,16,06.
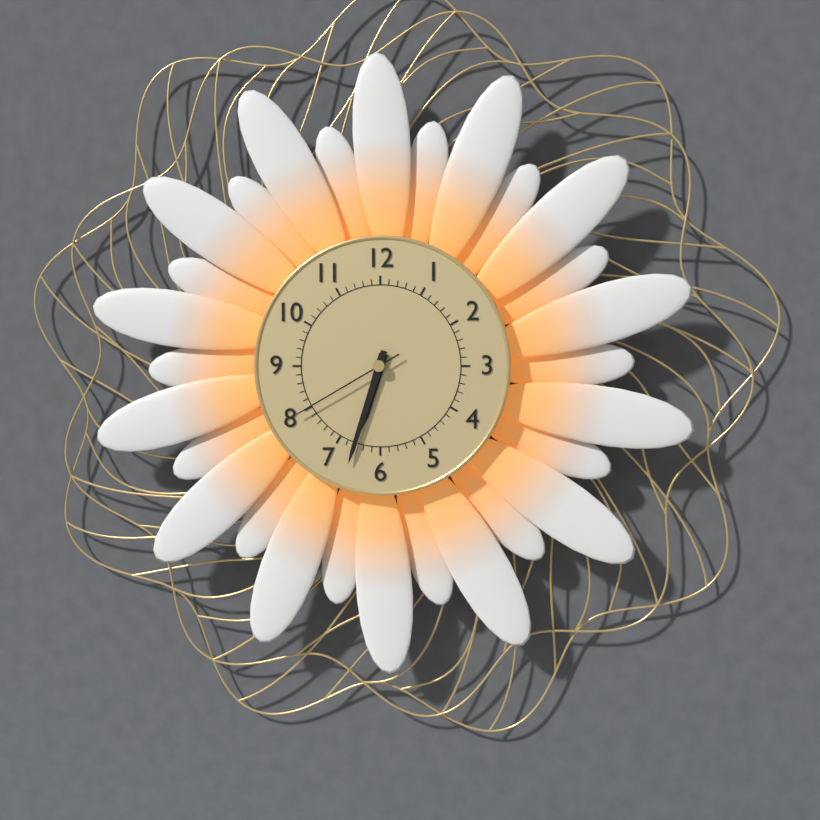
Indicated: 6,33,40
